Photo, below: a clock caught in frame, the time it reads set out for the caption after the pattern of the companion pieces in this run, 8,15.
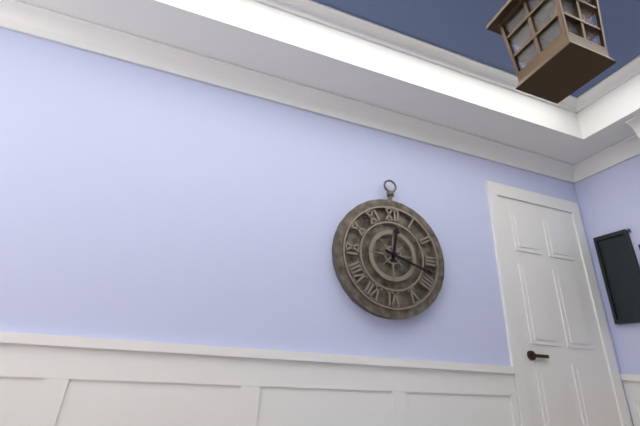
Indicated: 12,18
